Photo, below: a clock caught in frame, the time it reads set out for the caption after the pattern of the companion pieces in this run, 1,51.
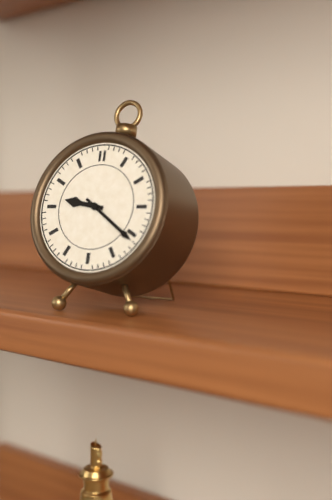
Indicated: 9,21
